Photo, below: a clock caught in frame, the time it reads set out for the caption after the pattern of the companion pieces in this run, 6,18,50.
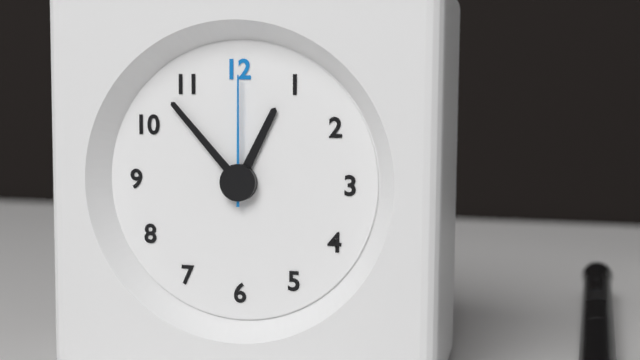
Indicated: 12,53,00
